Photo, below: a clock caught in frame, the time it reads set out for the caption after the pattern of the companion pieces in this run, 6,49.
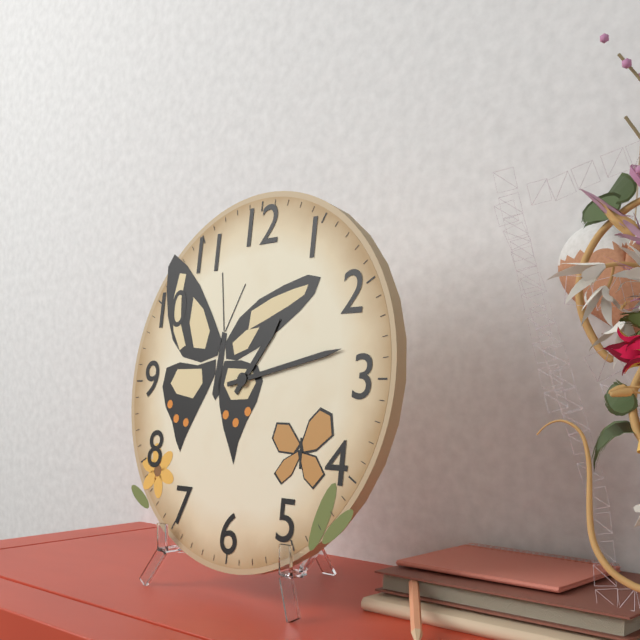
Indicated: 1,13
